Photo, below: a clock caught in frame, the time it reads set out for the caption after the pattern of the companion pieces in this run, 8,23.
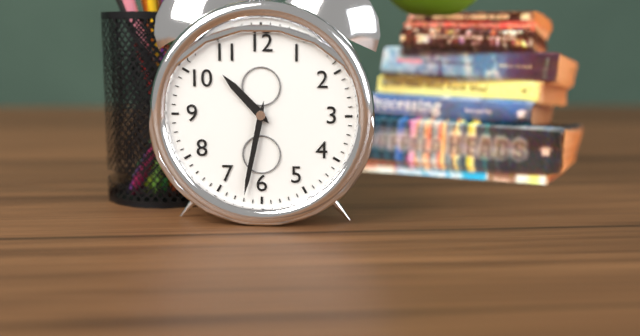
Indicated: 10,32
